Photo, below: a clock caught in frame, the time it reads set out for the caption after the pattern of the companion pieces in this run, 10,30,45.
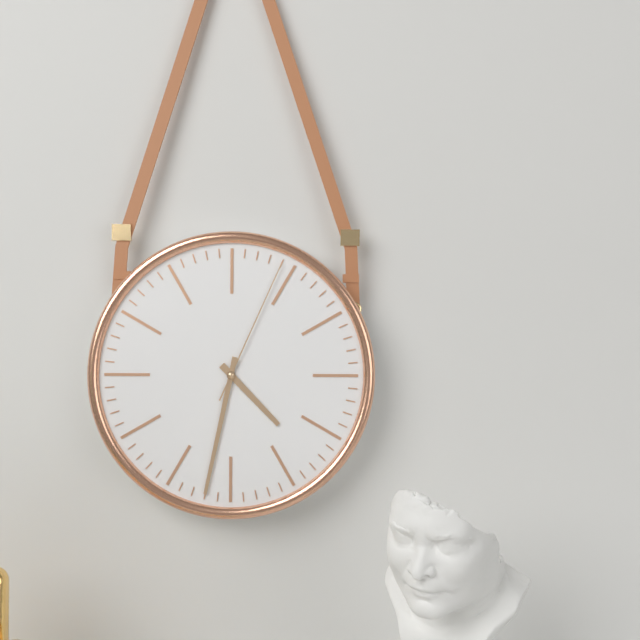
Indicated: 4,32,04
